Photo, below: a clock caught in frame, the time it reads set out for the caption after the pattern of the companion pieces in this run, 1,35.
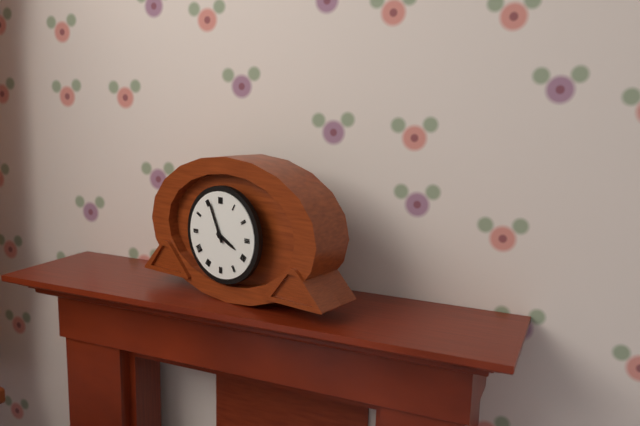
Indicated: 3,56
